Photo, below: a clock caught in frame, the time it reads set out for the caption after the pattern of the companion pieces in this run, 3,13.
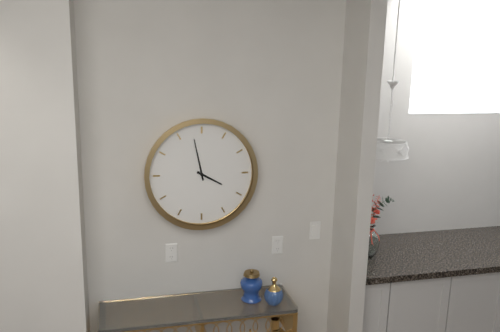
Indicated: 3,58
